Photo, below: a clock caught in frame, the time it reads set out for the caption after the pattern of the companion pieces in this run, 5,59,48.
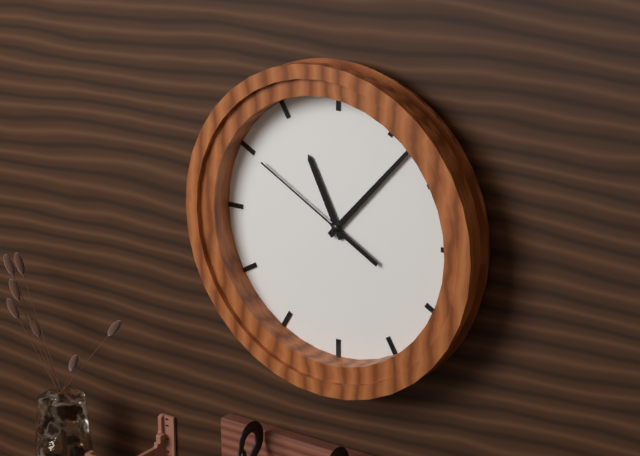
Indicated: 11,07,50
